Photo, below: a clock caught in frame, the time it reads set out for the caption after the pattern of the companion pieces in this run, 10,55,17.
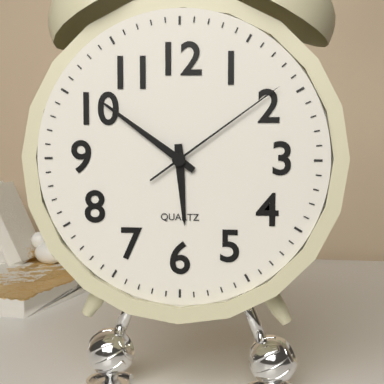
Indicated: 5,51,09
